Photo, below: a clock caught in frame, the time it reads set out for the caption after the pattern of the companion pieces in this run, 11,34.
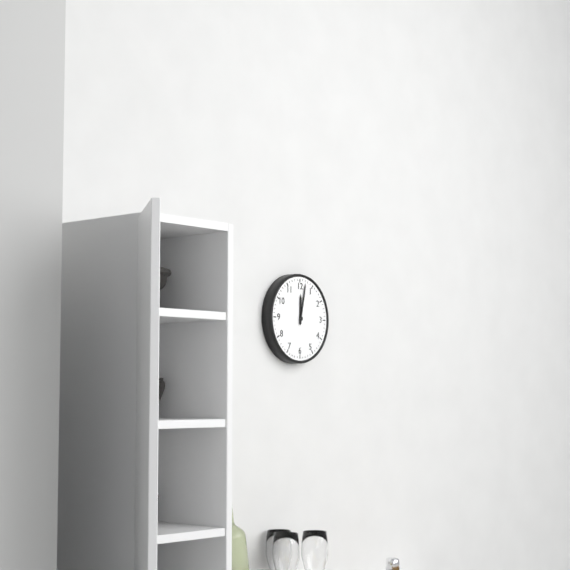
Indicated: 12,02
